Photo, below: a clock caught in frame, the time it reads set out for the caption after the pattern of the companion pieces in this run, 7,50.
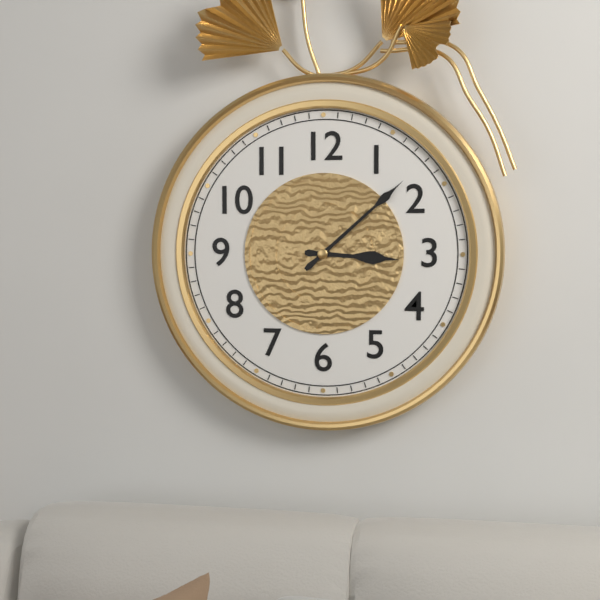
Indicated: 3,08
